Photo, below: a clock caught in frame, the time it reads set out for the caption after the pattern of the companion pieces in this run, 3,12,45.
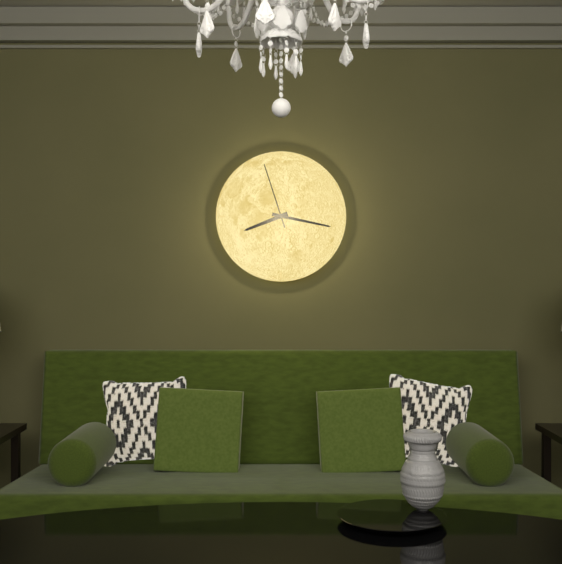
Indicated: 8,17,57
